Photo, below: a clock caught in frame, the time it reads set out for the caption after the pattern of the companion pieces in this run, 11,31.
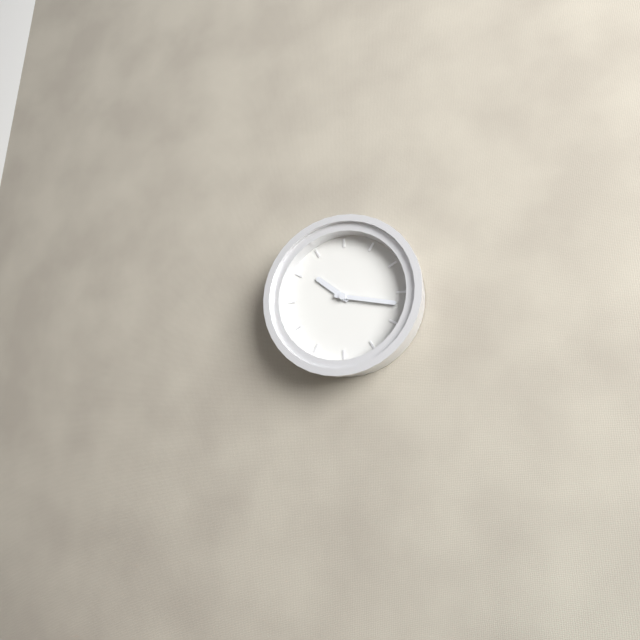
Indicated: 10,17
